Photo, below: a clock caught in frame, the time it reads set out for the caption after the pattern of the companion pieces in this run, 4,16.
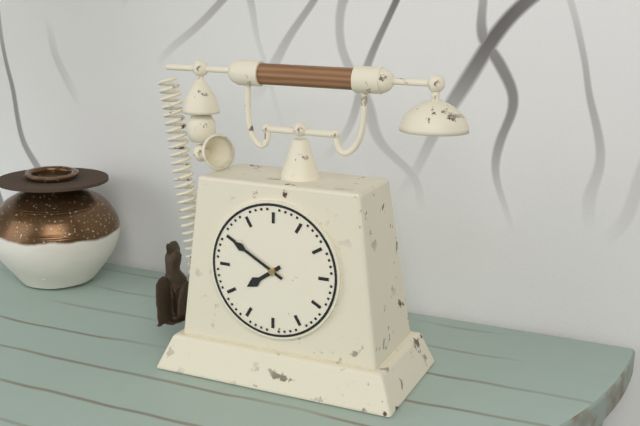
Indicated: 7,50
